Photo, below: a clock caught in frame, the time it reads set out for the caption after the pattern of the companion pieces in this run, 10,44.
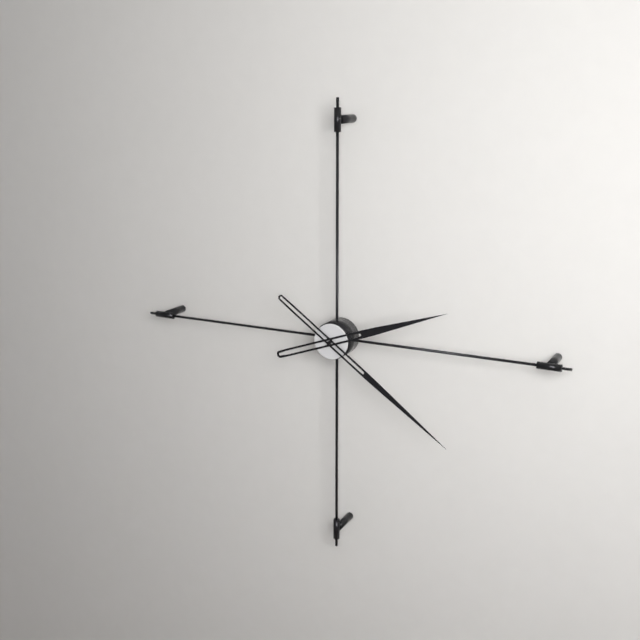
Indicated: 2,21
